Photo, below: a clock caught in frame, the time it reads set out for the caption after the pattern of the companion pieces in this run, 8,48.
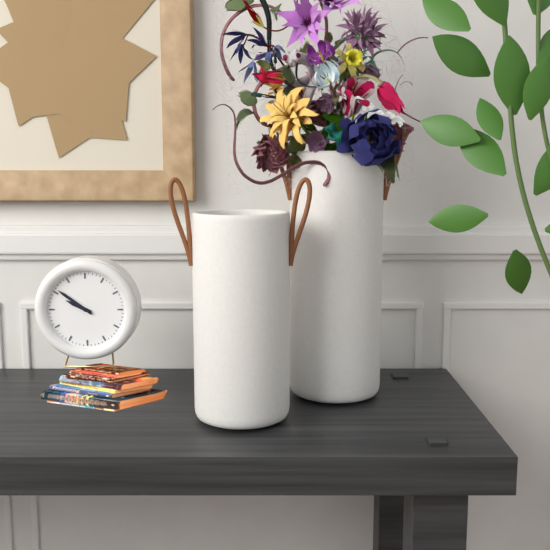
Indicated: 9,51
